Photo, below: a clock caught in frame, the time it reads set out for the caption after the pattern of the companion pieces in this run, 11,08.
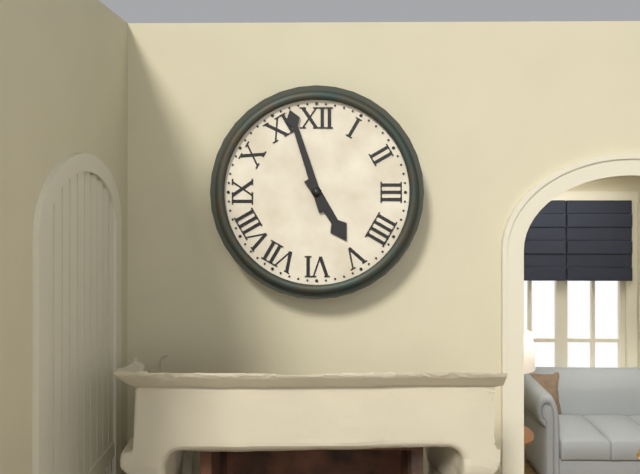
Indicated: 4,57
